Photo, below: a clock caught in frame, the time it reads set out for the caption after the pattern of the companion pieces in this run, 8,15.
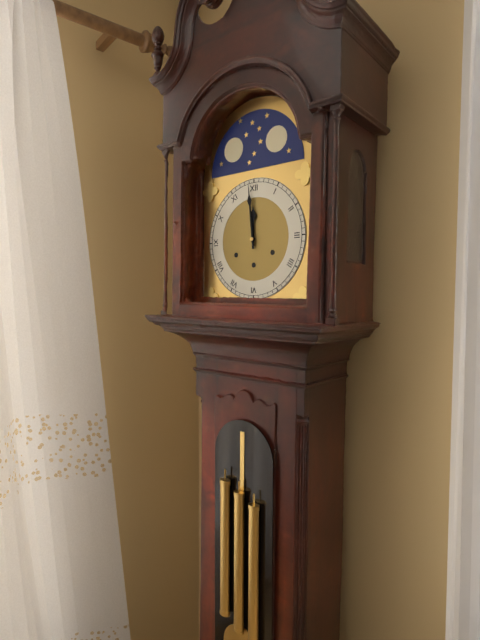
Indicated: 11,59
